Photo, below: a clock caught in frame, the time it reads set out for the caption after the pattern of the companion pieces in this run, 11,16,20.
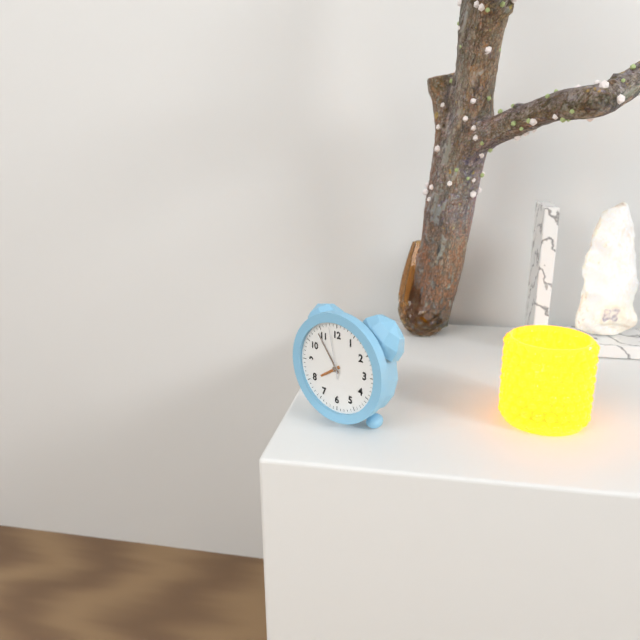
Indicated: 7,54,58
